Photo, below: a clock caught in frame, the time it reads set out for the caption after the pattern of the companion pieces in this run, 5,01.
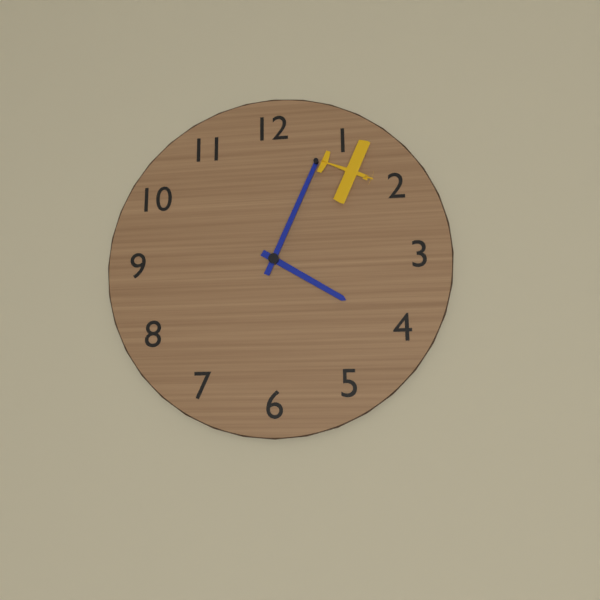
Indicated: 4,04
